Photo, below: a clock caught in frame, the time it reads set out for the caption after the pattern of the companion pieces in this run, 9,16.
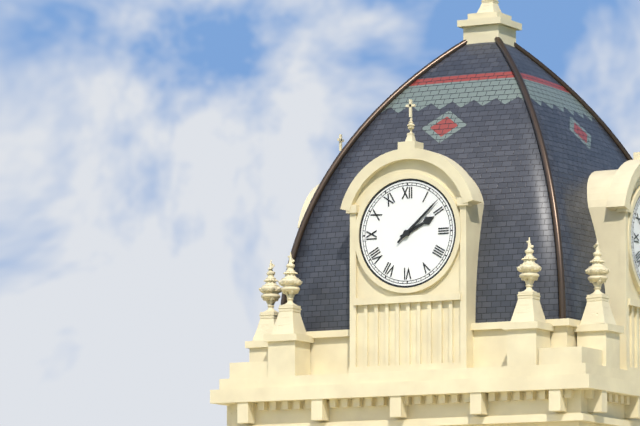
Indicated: 2,08
